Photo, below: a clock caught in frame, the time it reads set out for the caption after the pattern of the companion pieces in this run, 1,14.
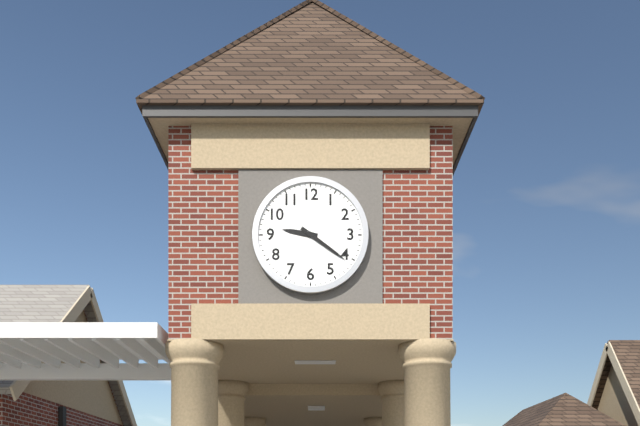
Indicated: 9,21
